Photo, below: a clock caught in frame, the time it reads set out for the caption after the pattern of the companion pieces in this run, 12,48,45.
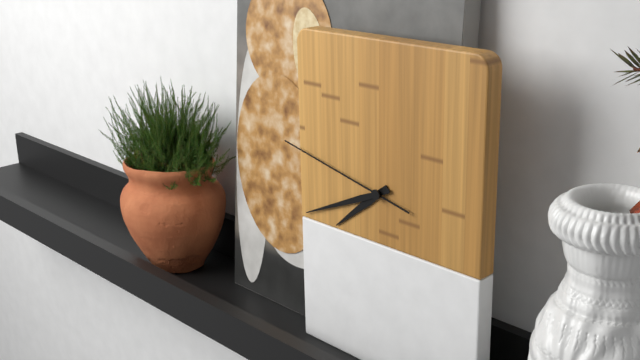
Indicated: 7,41,47
